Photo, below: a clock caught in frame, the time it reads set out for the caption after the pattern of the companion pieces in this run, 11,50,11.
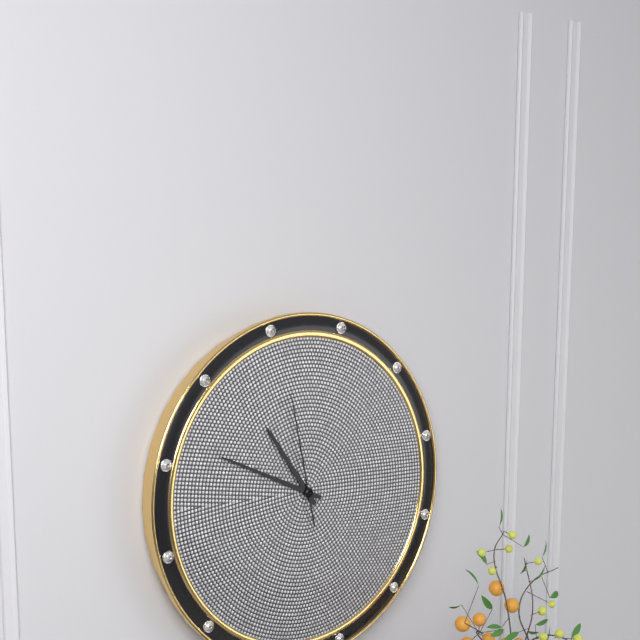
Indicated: 10,49,58
